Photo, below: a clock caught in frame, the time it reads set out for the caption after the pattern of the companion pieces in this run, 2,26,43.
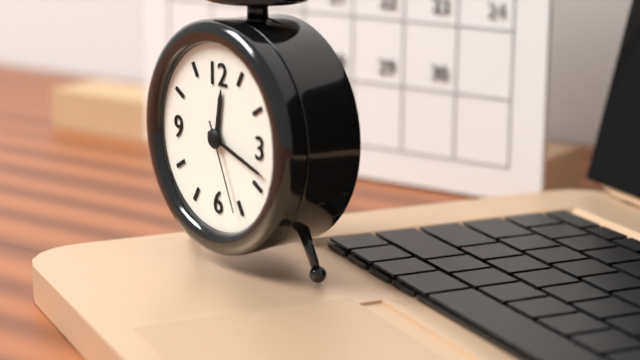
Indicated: 12,18,26
